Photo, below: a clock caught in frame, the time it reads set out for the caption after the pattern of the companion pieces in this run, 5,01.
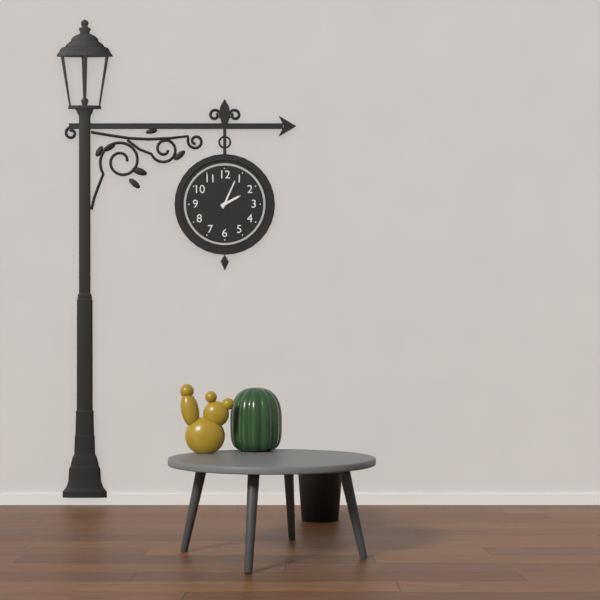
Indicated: 2,04
